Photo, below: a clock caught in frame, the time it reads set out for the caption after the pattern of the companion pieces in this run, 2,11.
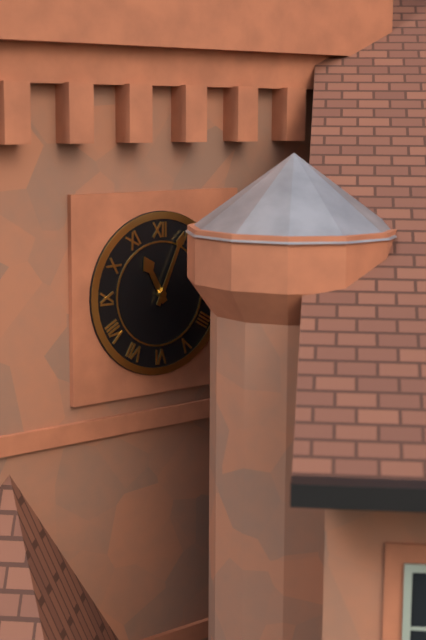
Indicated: 11,04
